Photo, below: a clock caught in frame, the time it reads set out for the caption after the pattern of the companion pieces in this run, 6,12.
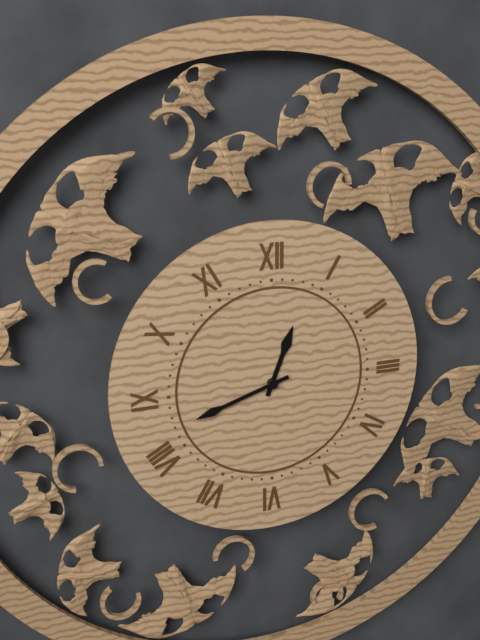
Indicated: 12,42
